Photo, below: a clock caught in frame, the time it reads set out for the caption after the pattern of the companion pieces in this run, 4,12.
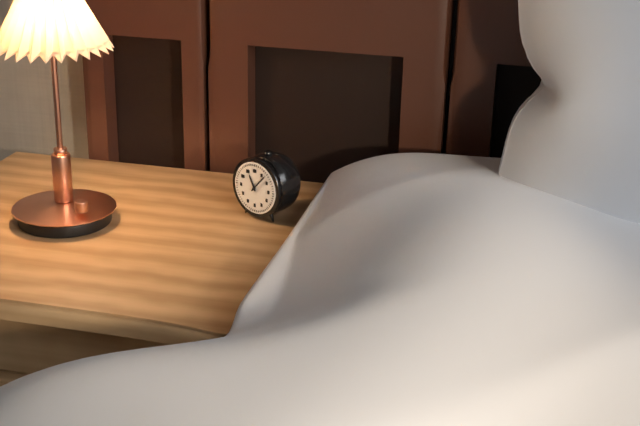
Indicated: 11,07
